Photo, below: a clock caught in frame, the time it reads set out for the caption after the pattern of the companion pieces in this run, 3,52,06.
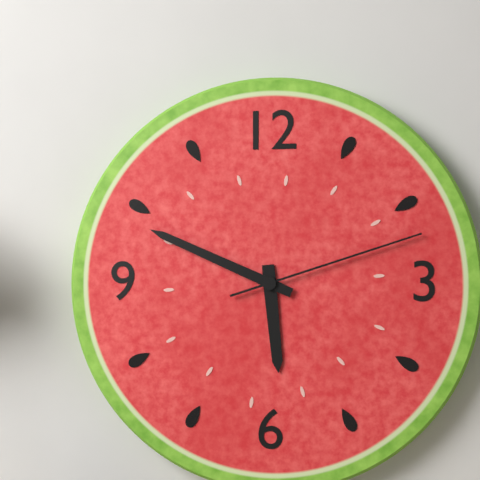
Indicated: 5,49,12
